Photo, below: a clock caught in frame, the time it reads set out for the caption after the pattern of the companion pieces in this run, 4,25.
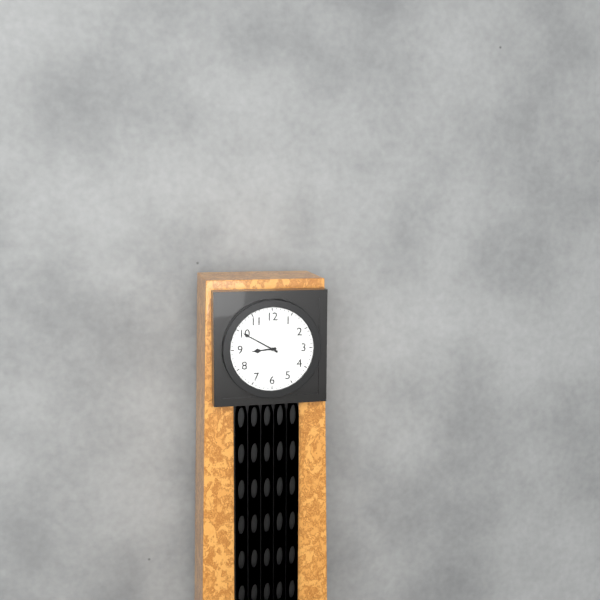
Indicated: 8,50
